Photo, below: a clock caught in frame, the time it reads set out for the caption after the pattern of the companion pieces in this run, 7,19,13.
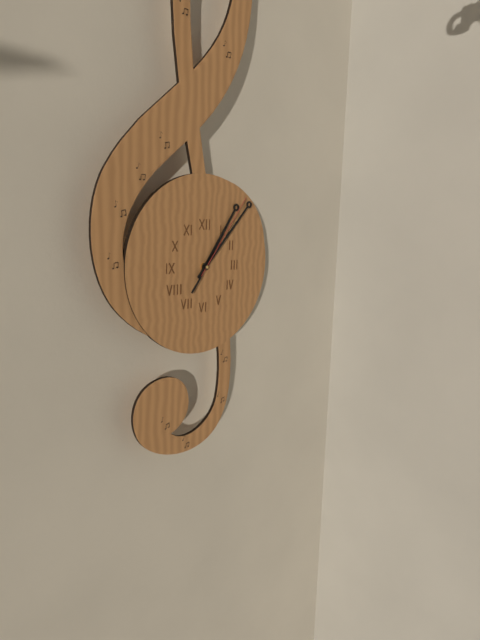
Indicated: 1,07,06
